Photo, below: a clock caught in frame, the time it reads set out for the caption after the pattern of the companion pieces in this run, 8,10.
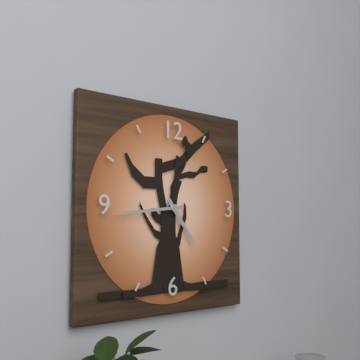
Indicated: 4,44
